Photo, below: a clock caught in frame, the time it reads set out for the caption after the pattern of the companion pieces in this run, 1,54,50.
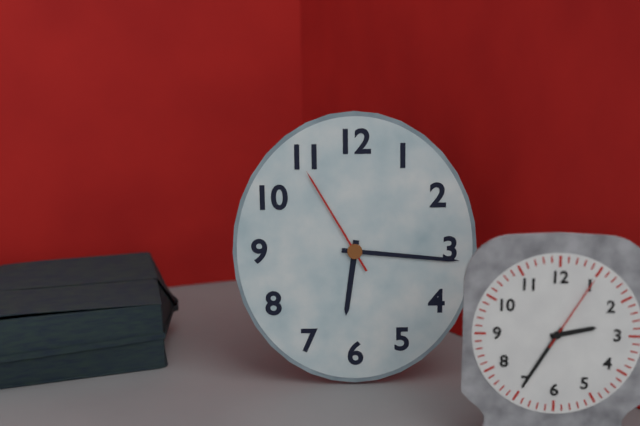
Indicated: 6,16,55
